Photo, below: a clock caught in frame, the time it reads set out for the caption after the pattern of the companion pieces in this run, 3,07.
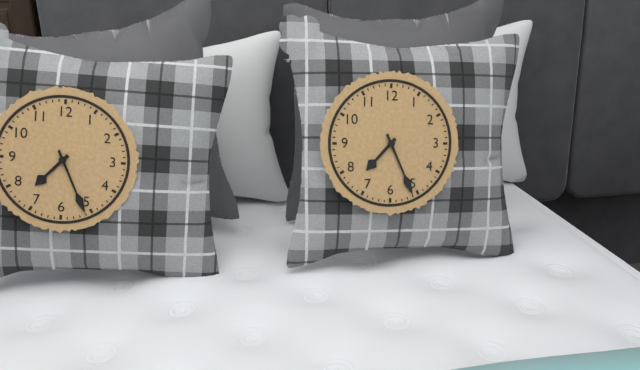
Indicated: 7,26
